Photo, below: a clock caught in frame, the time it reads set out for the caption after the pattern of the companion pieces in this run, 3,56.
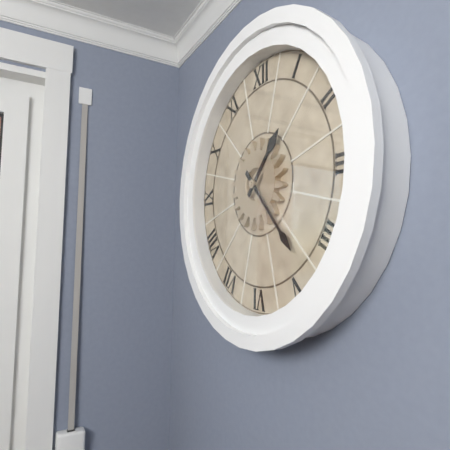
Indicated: 1,23
